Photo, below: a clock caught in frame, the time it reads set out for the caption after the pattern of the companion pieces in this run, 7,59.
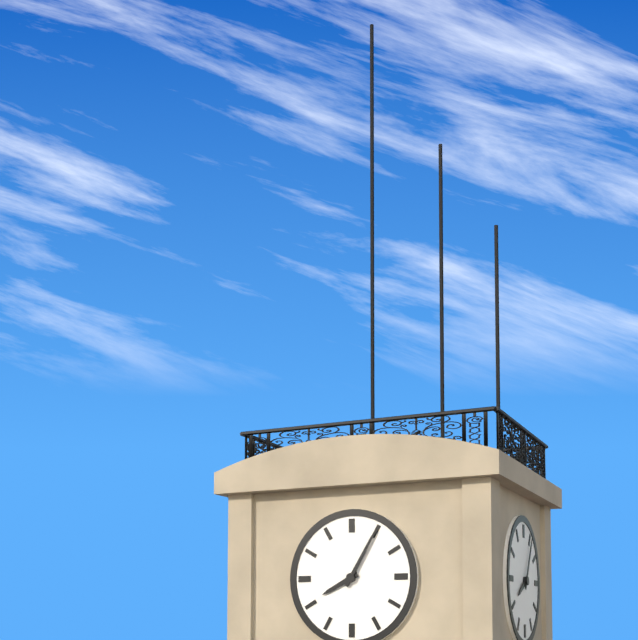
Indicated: 8,05
